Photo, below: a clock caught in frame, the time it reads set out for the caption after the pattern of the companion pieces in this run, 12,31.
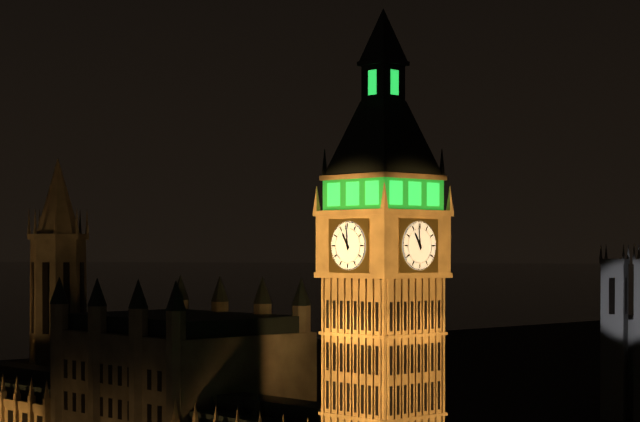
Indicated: 10,59
